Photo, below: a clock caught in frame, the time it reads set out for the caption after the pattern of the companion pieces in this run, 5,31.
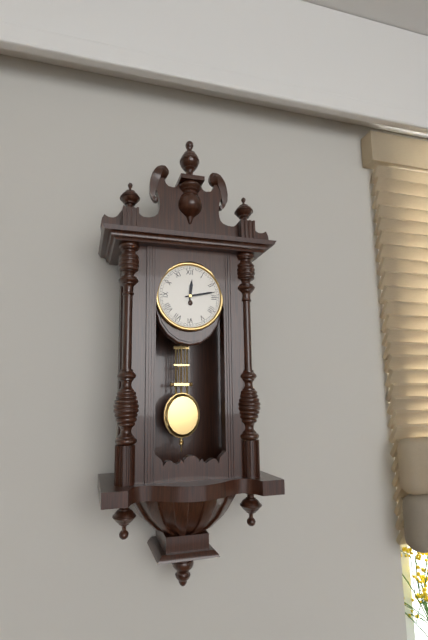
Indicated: 12,13
